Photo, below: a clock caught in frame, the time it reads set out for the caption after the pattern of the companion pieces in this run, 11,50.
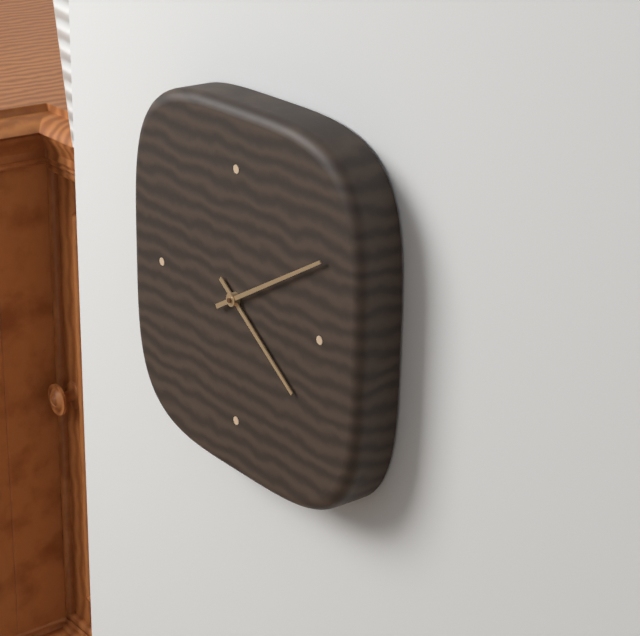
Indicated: 4,10
